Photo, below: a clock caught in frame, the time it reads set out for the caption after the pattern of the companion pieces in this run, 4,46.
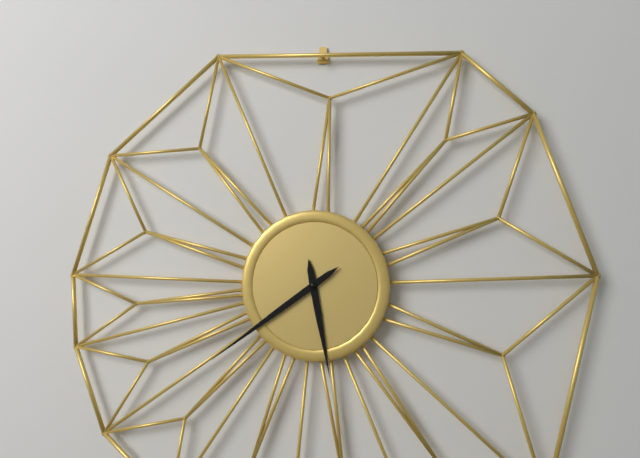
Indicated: 5,39
